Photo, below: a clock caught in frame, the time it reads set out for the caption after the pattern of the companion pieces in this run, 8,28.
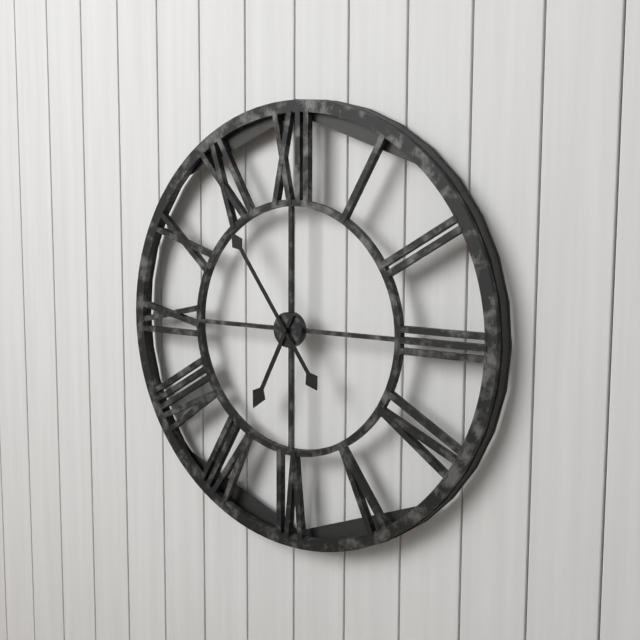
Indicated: 6,54
